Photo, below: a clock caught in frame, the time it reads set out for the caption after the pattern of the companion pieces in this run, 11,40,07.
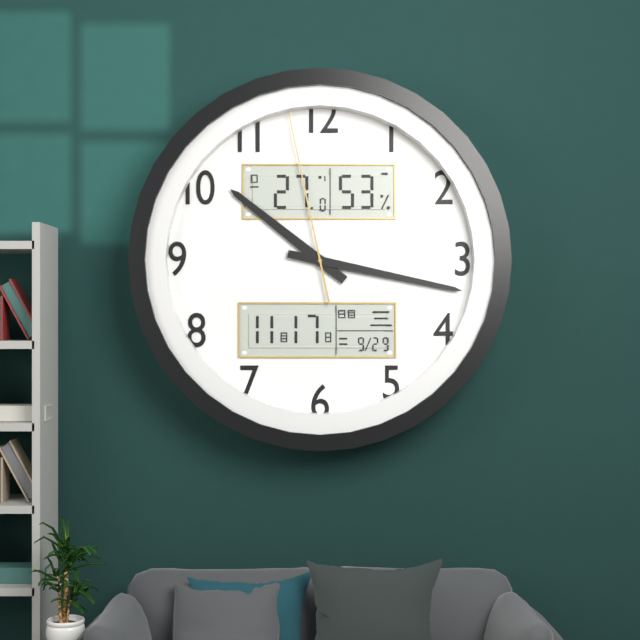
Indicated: 10,17,58
